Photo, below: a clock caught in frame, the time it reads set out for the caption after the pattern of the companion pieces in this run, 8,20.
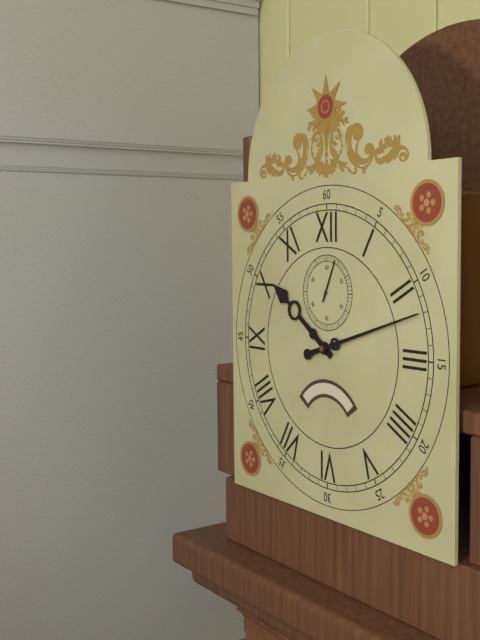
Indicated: 10,12
